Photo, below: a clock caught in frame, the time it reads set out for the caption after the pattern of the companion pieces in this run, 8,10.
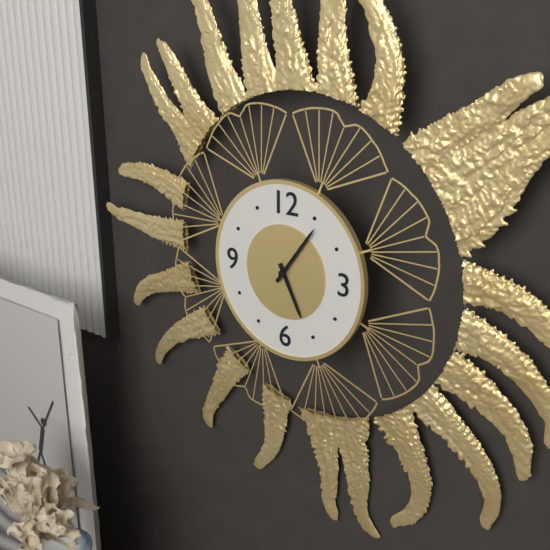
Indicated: 5,06
